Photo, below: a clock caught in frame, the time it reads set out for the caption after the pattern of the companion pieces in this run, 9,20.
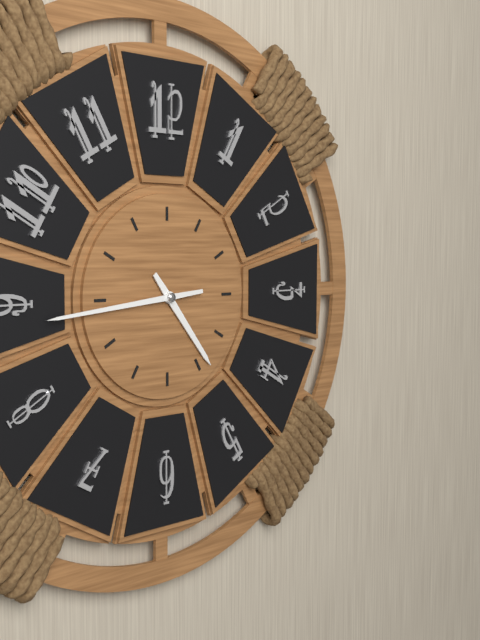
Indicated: 4,44
